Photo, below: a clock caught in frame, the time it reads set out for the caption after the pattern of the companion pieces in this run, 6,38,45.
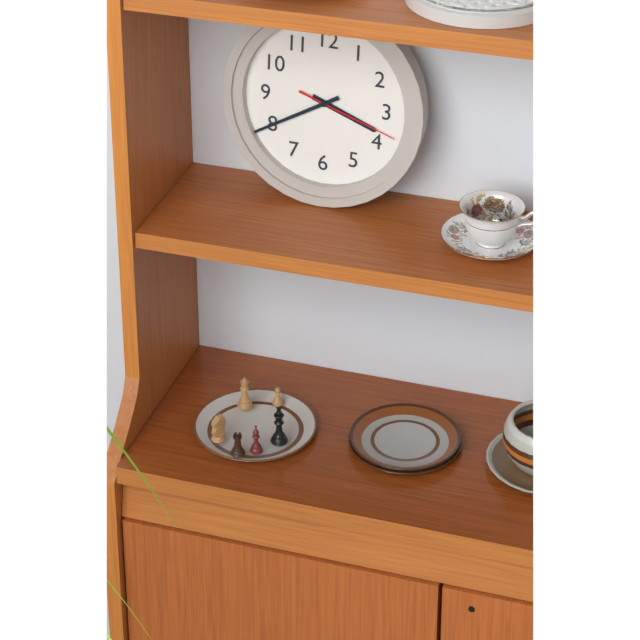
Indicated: 3,40,18
